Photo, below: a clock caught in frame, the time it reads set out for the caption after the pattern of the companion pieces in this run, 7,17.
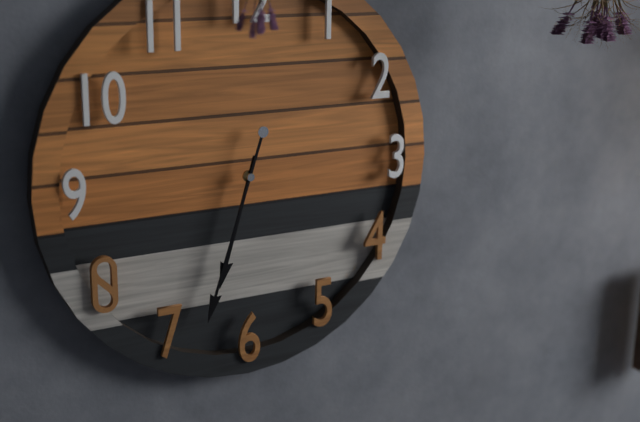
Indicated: 6,33
